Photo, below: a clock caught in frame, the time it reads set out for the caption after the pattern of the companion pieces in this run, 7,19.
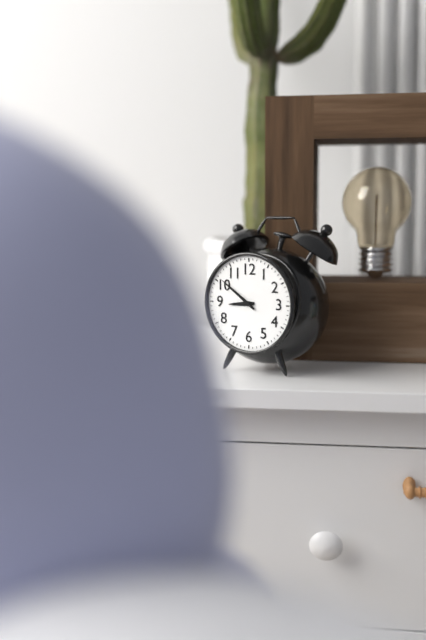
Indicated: 8,51
